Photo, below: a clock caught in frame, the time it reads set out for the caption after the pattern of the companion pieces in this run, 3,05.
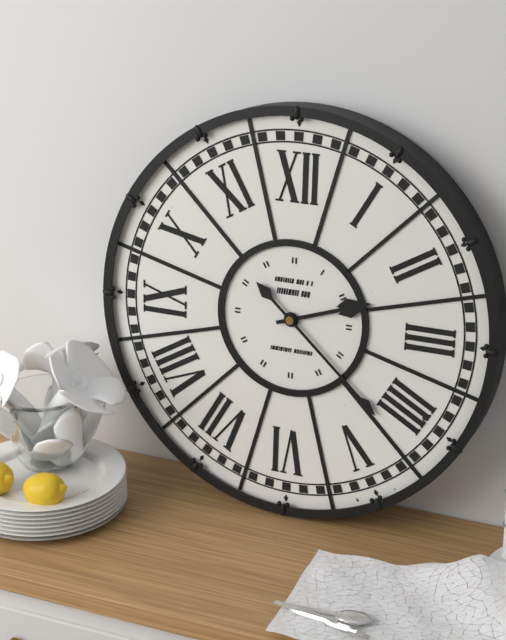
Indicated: 2,22
